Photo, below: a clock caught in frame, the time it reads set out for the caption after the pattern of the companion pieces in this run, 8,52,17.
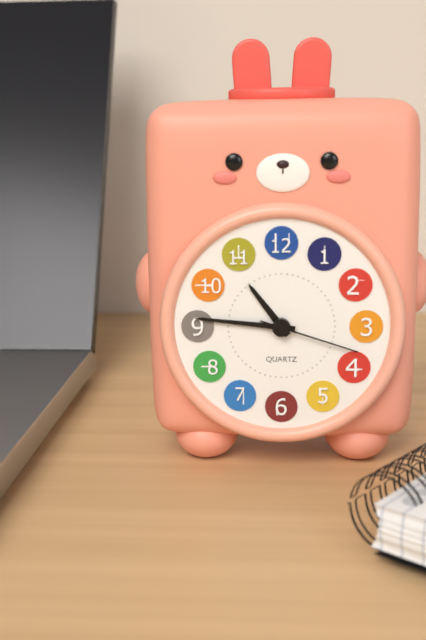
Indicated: 10,46,18
